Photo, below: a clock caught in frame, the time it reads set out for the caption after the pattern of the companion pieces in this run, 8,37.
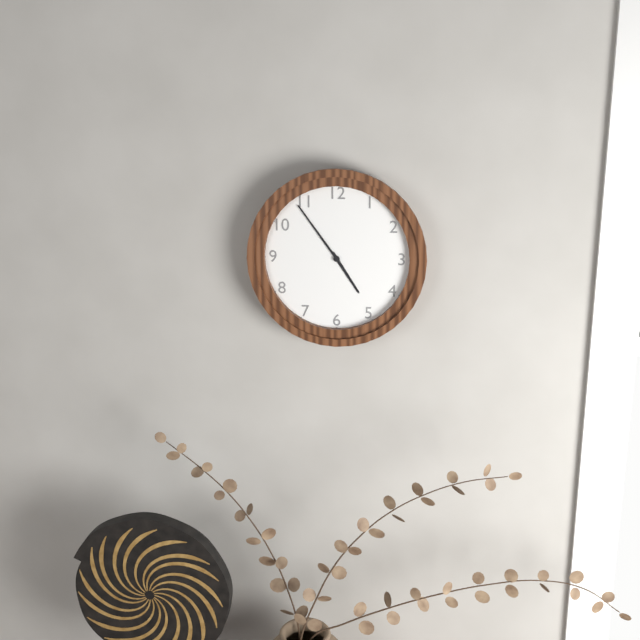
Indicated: 4,54
